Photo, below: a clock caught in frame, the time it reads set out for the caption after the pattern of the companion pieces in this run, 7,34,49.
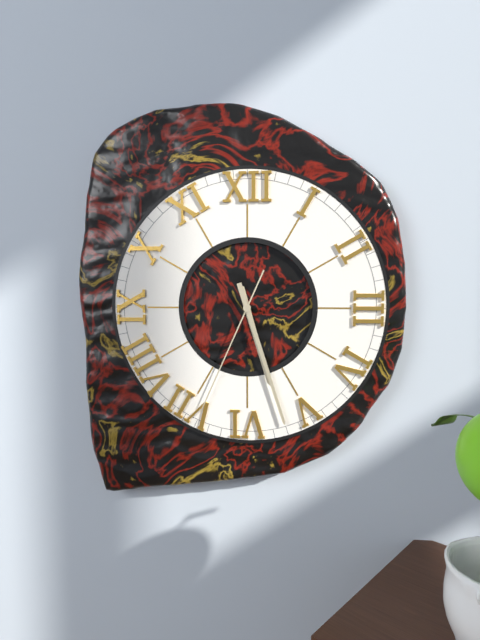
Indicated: 5,27,34
